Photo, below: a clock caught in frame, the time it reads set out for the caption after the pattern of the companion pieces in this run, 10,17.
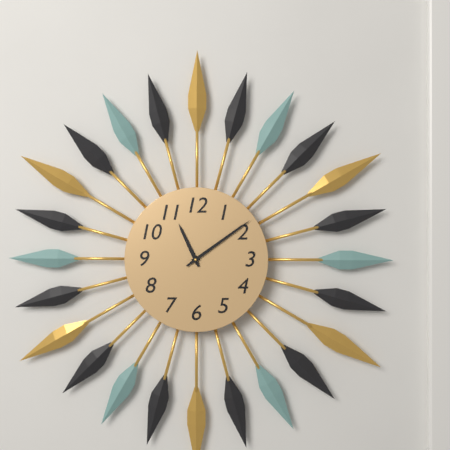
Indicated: 11,09
